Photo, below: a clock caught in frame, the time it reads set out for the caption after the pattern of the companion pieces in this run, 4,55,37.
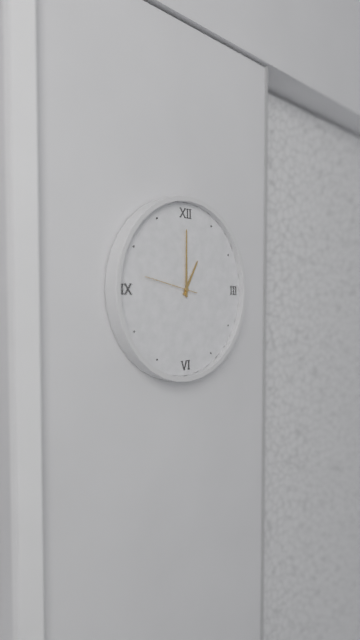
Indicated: 1,00,47
